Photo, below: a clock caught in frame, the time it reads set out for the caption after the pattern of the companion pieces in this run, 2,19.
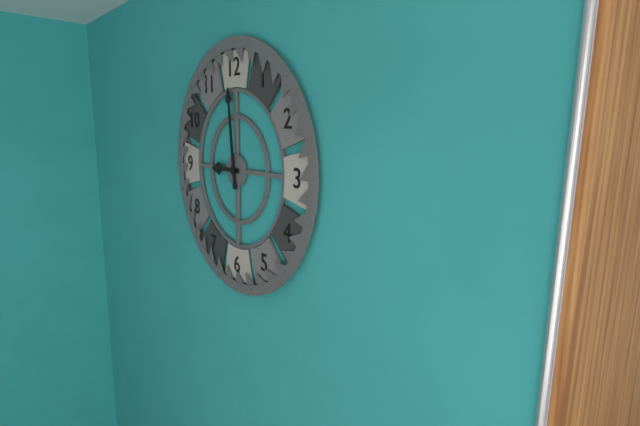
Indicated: 8,59
